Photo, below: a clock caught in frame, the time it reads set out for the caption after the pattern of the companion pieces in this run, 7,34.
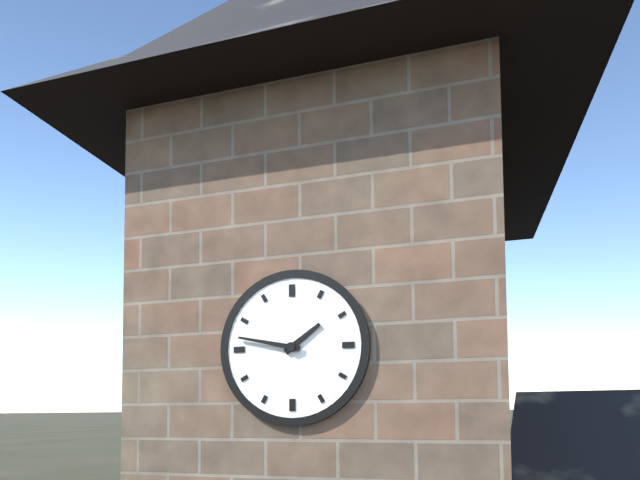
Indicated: 1,47
